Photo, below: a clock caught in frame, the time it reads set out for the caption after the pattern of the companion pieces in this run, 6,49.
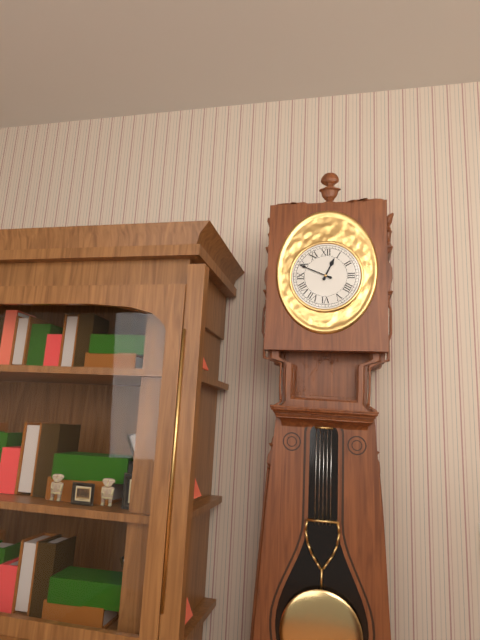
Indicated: 12,49
